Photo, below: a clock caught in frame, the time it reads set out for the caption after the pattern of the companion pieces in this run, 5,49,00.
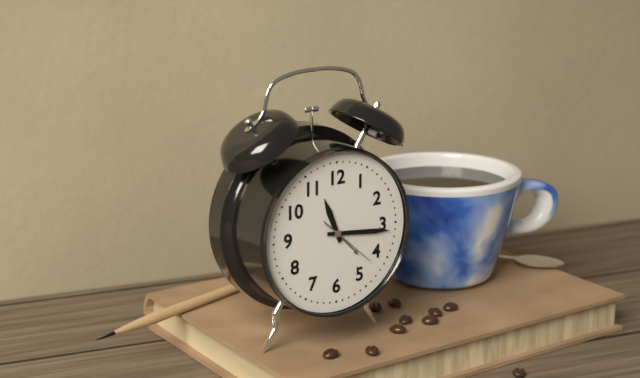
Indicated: 11,16,22
